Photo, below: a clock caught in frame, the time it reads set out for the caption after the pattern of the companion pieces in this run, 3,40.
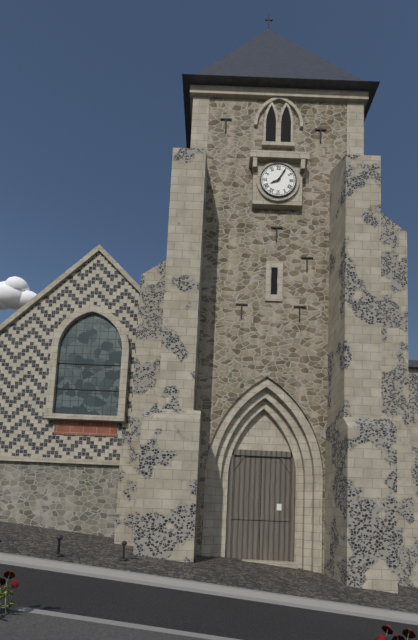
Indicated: 8,05
